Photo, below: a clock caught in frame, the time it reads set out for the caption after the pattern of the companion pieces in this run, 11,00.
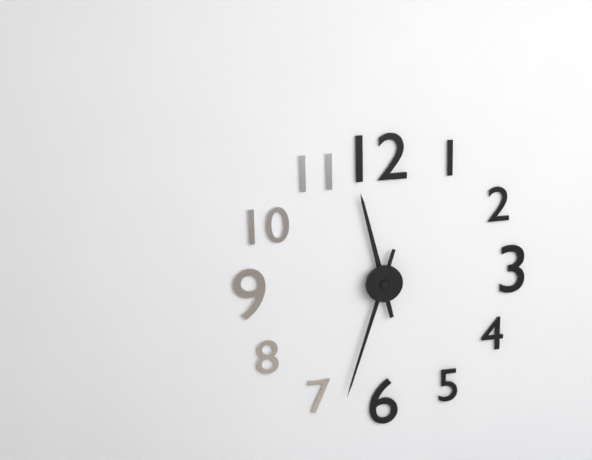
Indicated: 11,33
